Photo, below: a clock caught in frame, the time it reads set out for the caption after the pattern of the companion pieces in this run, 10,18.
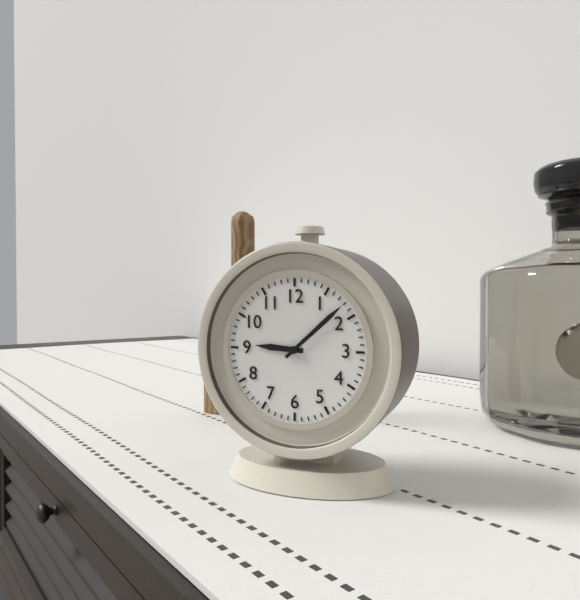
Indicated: 9,08
